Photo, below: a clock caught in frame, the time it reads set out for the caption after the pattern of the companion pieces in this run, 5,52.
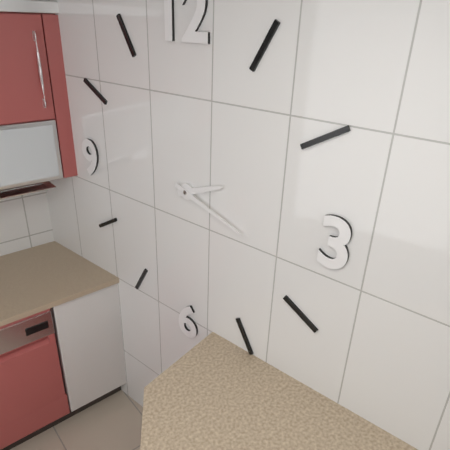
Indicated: 2,18
